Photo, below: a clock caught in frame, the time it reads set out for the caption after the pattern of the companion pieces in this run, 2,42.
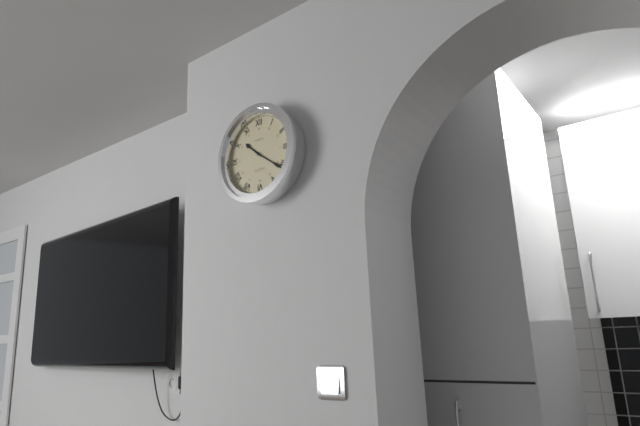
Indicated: 10,21
